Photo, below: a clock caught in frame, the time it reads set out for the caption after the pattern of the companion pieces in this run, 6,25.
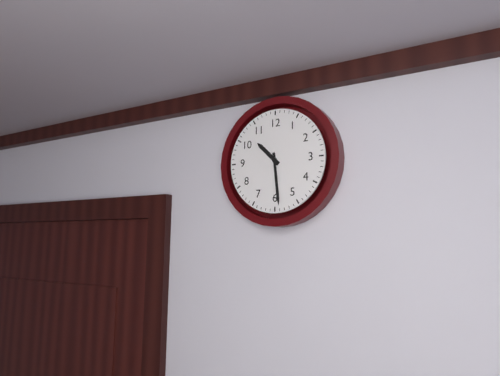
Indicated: 10,29
